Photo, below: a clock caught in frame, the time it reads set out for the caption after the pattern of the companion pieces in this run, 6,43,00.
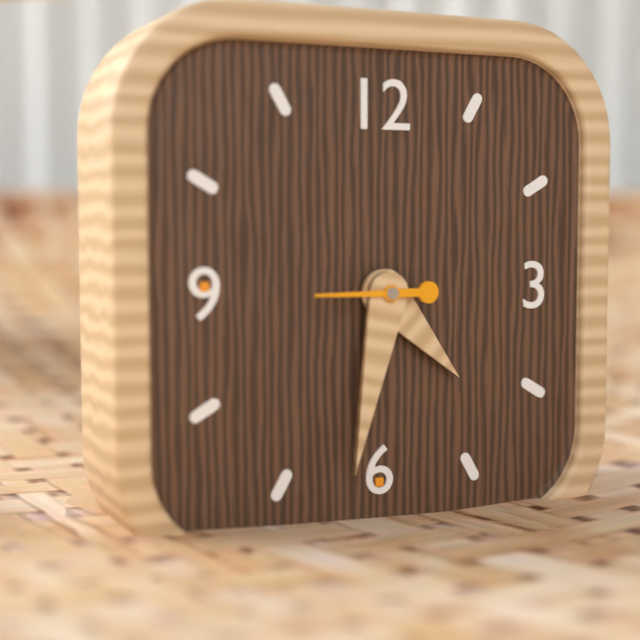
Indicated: 4,32,45
